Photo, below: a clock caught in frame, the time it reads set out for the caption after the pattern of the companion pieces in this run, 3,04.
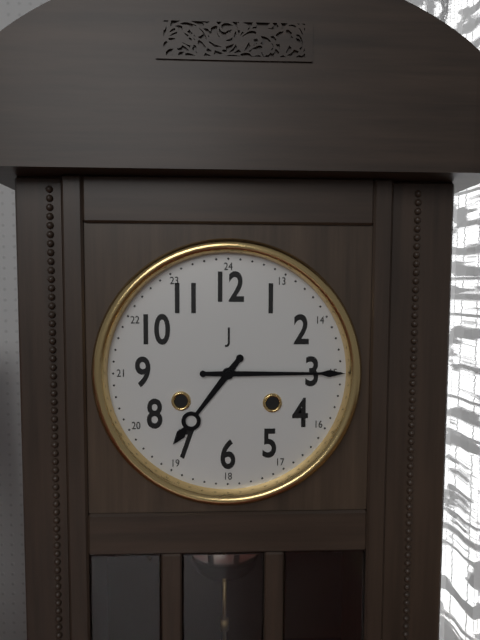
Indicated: 7,15
